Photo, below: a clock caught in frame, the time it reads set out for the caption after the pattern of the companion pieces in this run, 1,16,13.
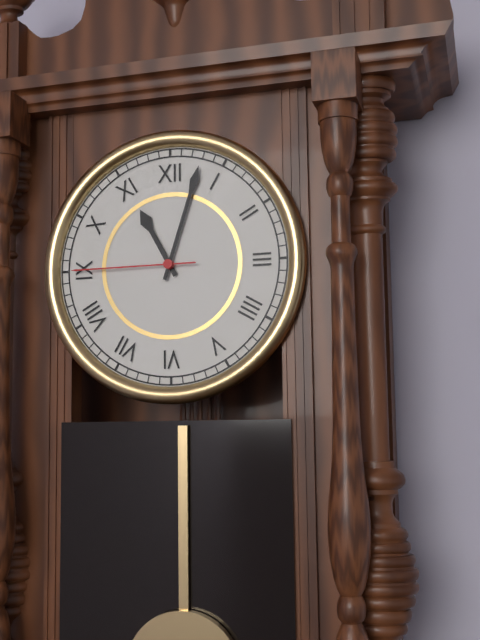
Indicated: 11,03,45
